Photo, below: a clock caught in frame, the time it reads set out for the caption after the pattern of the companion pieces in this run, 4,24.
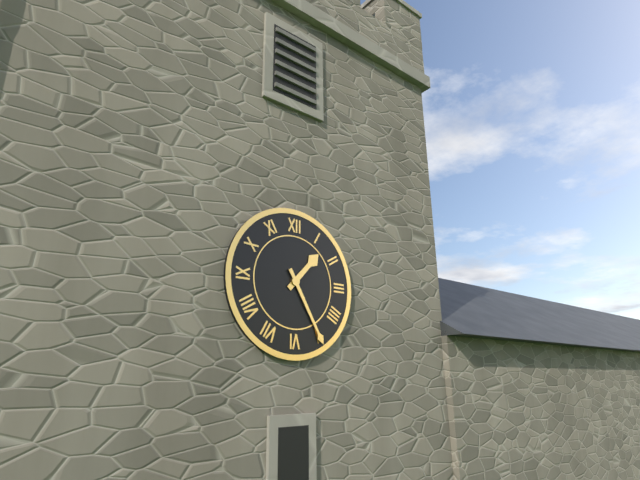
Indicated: 1,25
